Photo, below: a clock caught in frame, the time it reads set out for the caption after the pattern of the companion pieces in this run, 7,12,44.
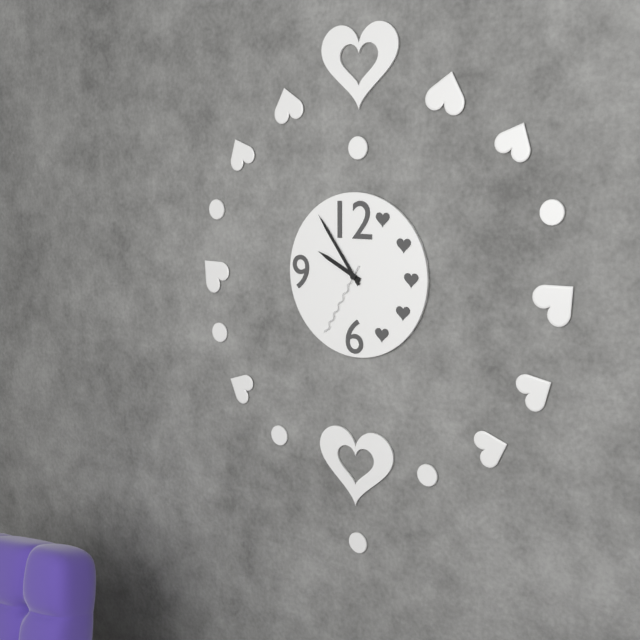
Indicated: 9,54,35
